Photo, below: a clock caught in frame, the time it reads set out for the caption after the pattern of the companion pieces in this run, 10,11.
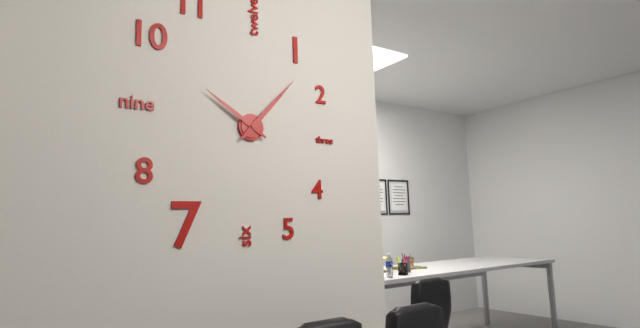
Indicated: 10,07
